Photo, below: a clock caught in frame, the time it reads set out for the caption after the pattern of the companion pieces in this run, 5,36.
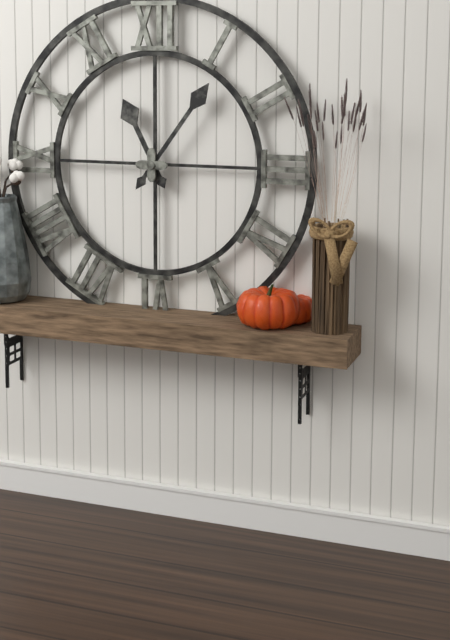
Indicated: 11,06
